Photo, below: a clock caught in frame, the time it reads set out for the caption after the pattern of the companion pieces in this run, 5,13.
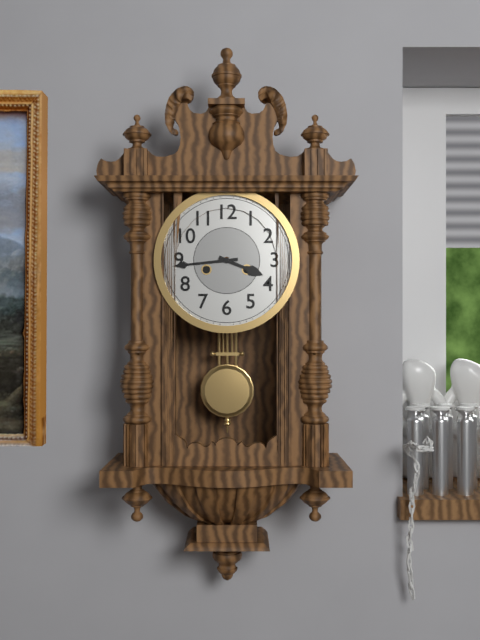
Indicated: 3,44
